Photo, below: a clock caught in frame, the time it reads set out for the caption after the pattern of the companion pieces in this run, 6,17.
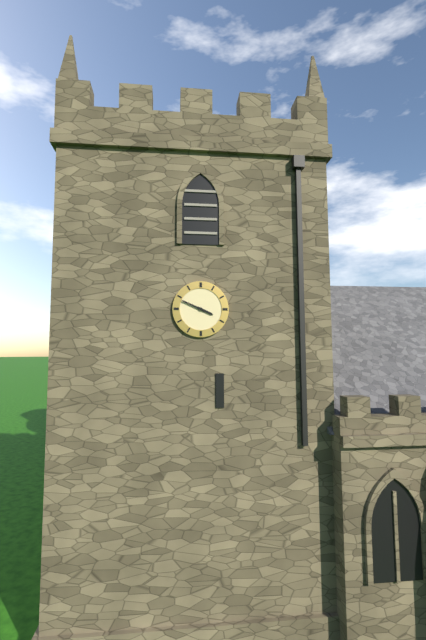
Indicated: 3,49
